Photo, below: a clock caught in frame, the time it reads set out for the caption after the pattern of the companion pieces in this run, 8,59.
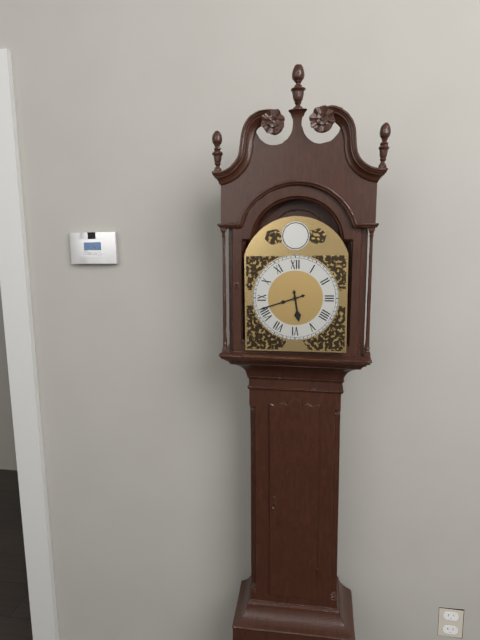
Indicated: 5,42
